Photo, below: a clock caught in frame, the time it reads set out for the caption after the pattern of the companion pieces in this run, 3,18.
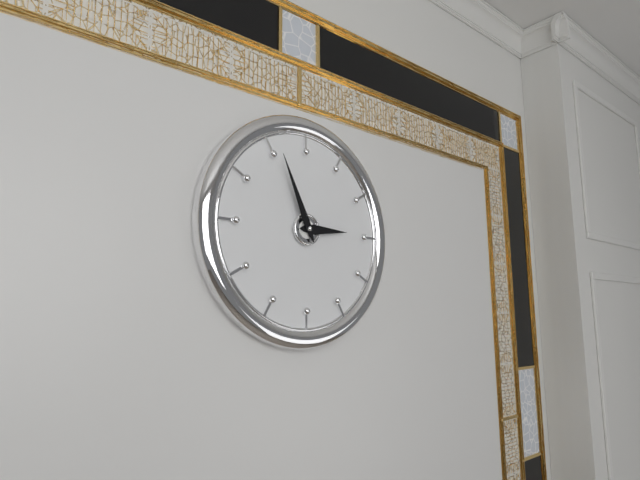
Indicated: 2,56
